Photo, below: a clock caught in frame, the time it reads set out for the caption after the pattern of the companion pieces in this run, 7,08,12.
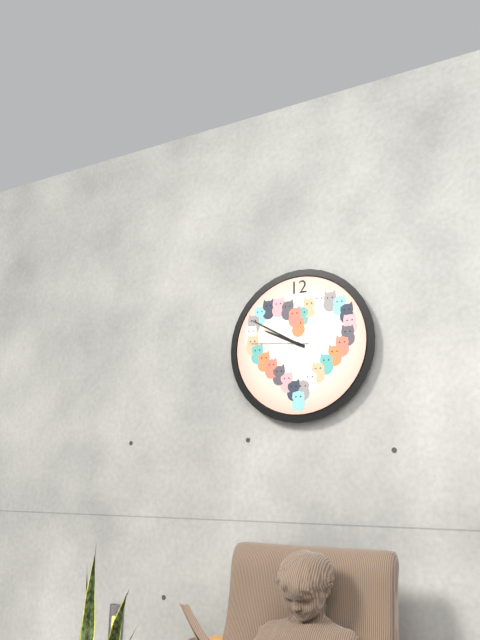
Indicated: 9,50,46
